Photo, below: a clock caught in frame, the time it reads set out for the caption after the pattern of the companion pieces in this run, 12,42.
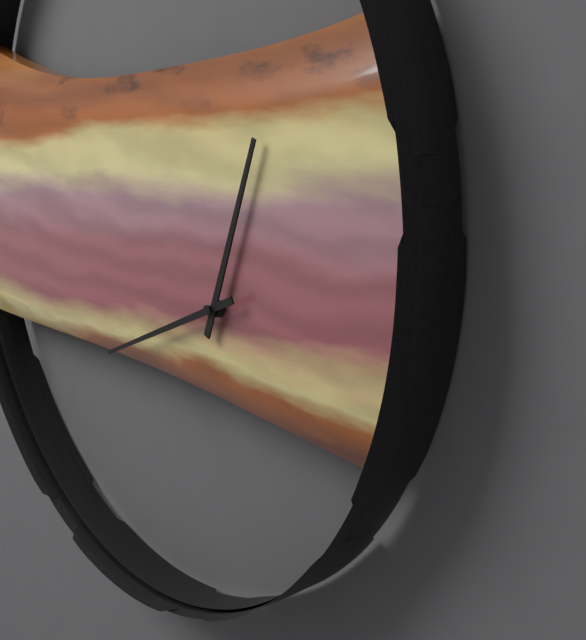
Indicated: 12,41
